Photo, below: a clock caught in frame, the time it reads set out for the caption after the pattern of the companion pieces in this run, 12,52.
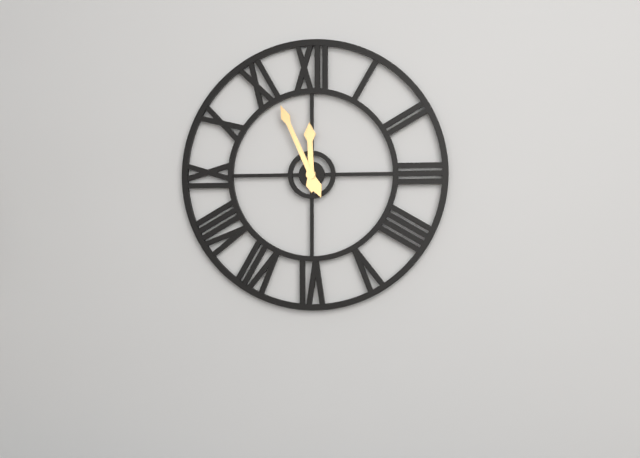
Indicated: 11,56
